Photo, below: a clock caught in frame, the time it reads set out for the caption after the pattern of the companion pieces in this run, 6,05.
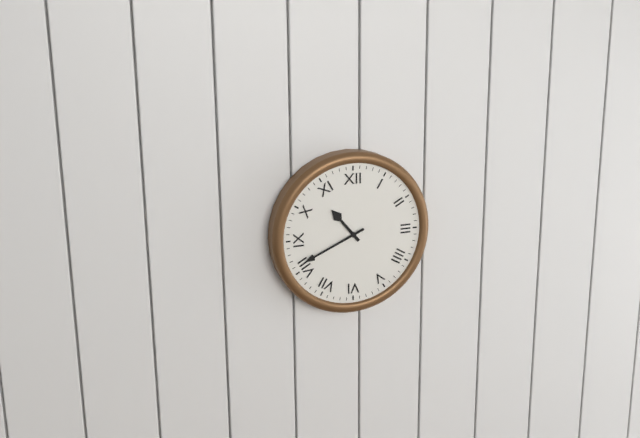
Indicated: 10,41
